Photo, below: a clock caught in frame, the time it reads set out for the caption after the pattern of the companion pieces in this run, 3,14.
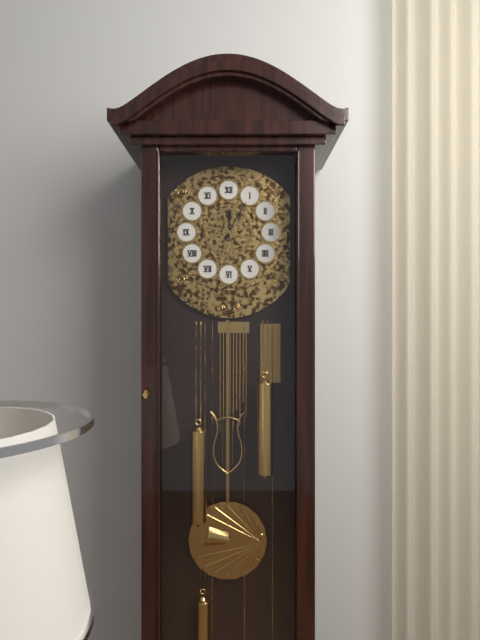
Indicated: 12,05
